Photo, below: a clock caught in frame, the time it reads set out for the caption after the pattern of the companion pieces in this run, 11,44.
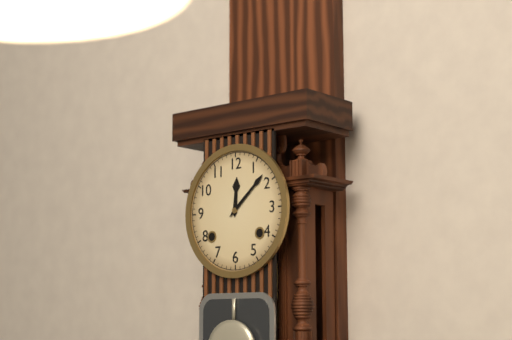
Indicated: 12,08
